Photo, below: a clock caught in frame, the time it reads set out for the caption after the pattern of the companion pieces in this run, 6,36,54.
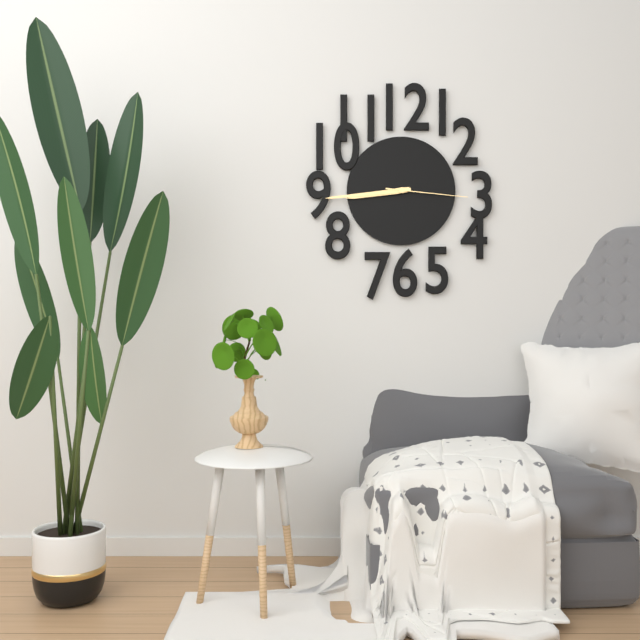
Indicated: 8,44,16
